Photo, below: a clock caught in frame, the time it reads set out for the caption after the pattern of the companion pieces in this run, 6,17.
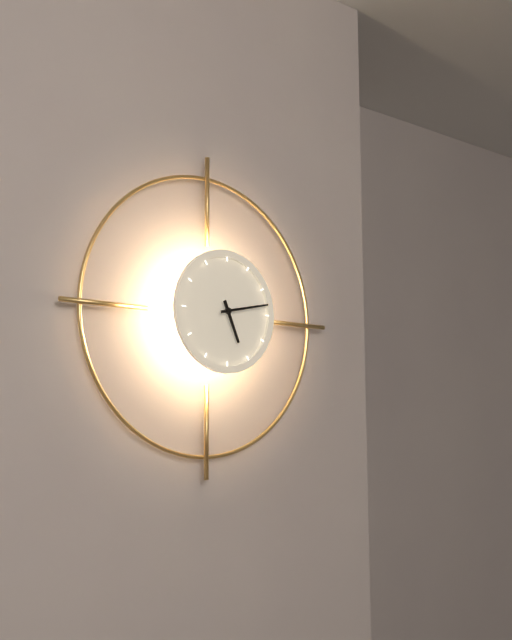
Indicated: 5,13
